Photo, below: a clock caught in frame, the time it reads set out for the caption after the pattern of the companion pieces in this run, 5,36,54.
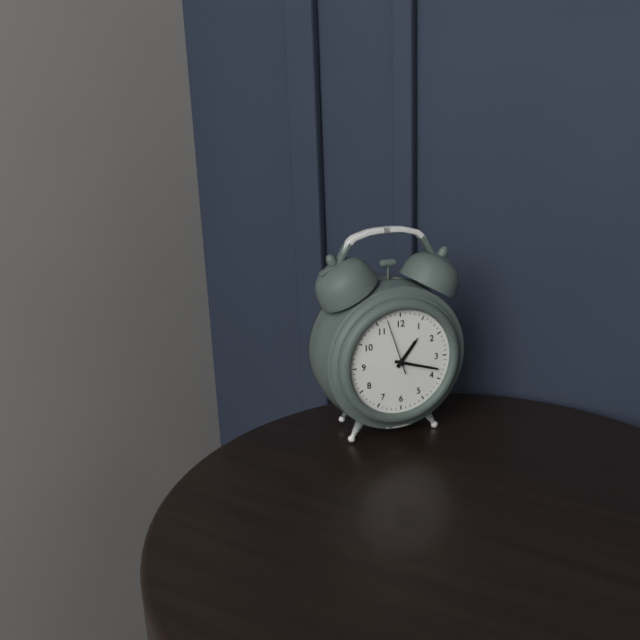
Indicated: 1,18,57
